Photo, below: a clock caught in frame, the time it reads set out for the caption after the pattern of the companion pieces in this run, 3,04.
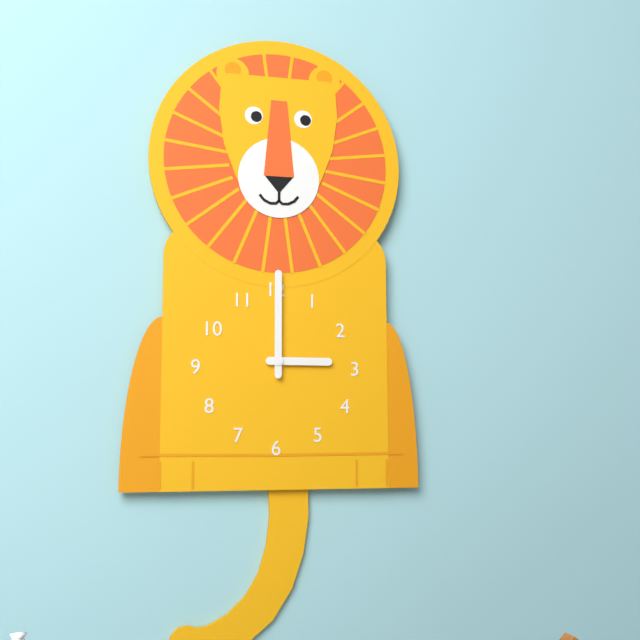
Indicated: 3,00
